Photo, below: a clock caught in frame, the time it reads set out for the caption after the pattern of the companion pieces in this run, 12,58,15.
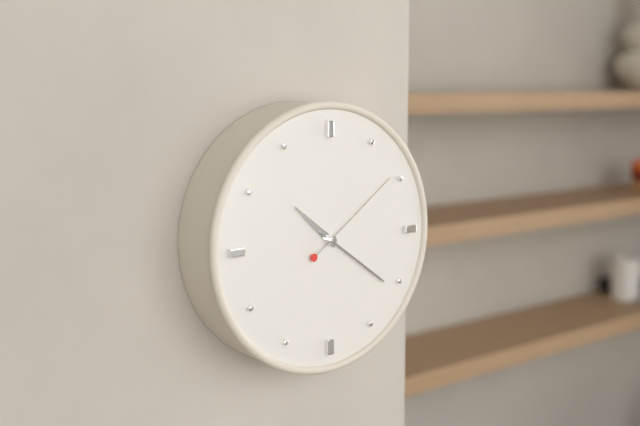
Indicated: 10,21,09
